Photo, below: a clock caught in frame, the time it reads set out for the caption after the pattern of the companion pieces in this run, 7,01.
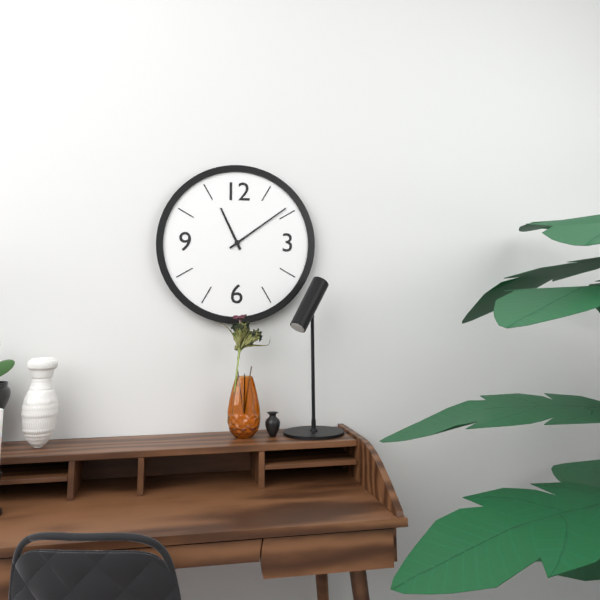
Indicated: 11,09
